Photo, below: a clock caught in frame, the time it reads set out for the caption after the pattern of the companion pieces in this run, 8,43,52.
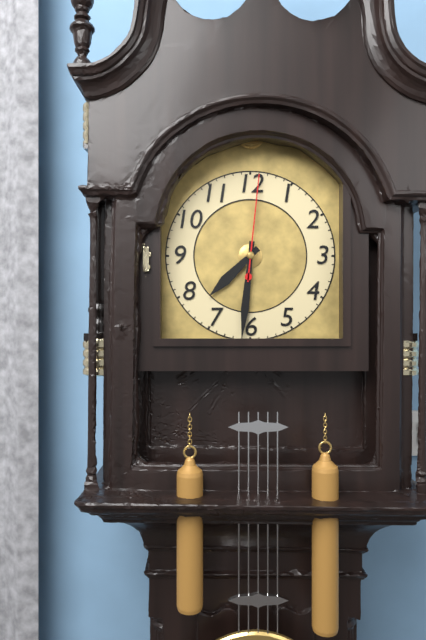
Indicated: 7,31,01
